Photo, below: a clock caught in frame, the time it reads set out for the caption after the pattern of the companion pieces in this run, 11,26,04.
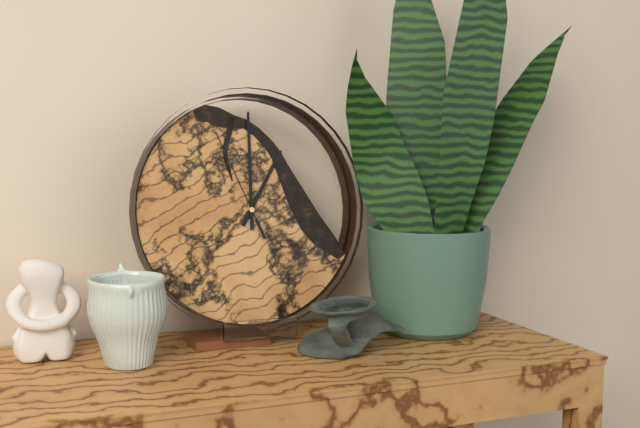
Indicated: 1,00,56
